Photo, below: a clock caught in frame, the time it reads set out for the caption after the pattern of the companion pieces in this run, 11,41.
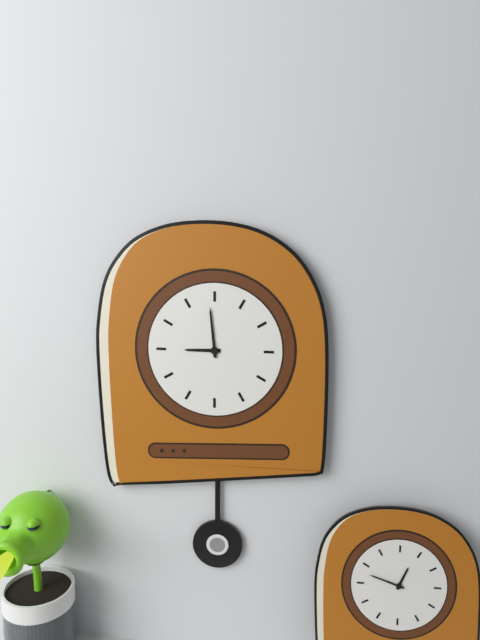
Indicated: 8,59
